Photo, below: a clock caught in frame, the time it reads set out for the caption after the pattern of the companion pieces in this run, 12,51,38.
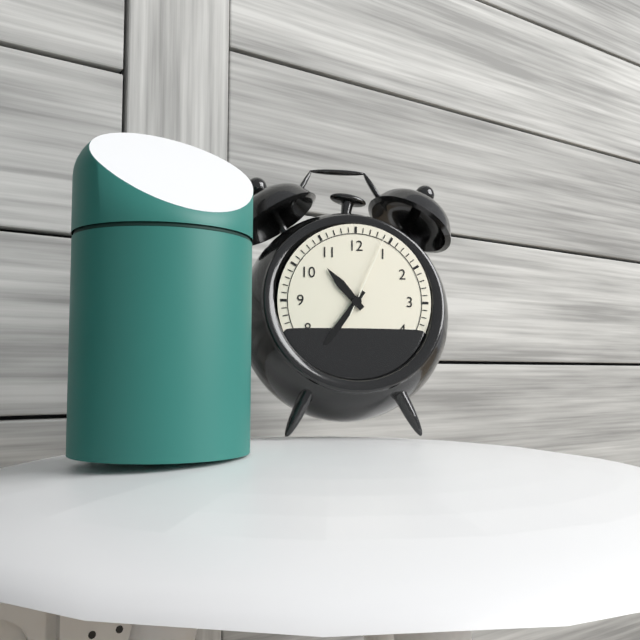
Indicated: 10,36,04
